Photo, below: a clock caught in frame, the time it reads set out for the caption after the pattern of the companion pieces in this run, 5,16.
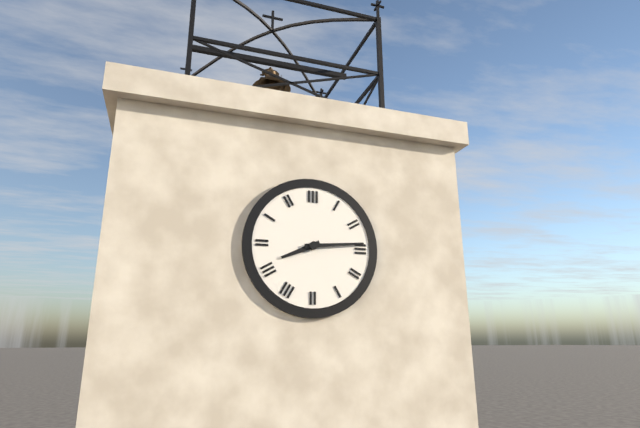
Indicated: 8,14
